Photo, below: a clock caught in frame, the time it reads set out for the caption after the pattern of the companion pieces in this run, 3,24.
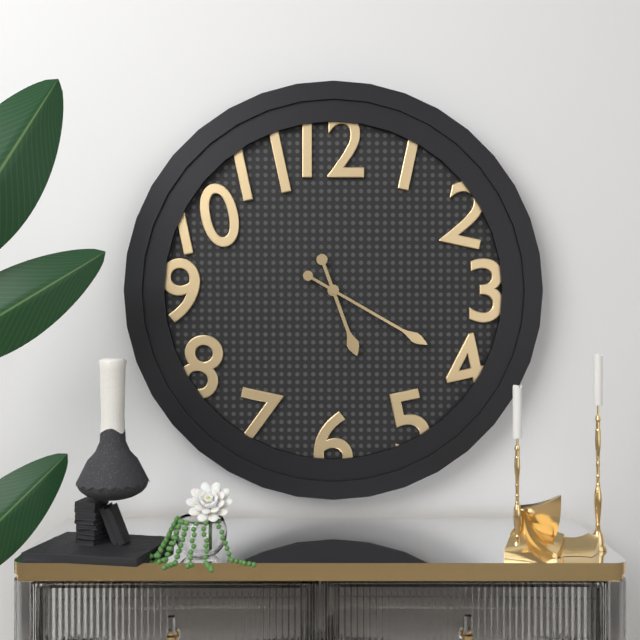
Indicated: 5,20
